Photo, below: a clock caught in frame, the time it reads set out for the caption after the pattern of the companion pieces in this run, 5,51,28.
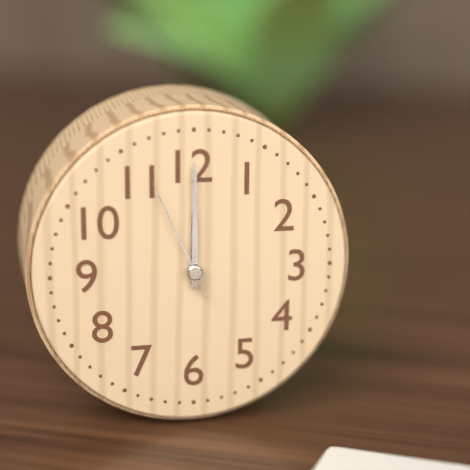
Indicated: 12,00,56
